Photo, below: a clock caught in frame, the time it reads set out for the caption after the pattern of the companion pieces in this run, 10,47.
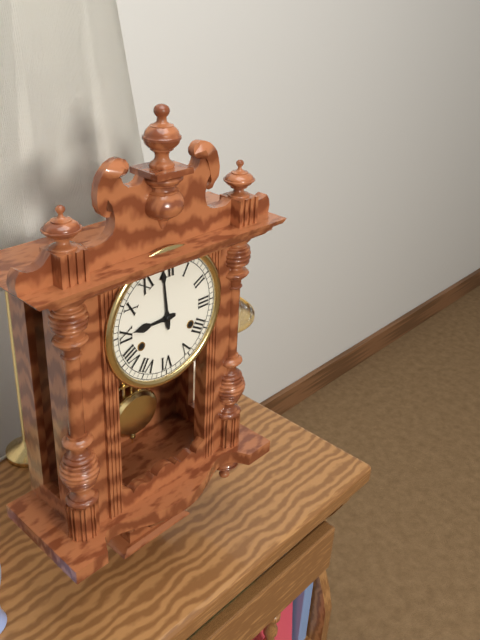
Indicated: 8,59
